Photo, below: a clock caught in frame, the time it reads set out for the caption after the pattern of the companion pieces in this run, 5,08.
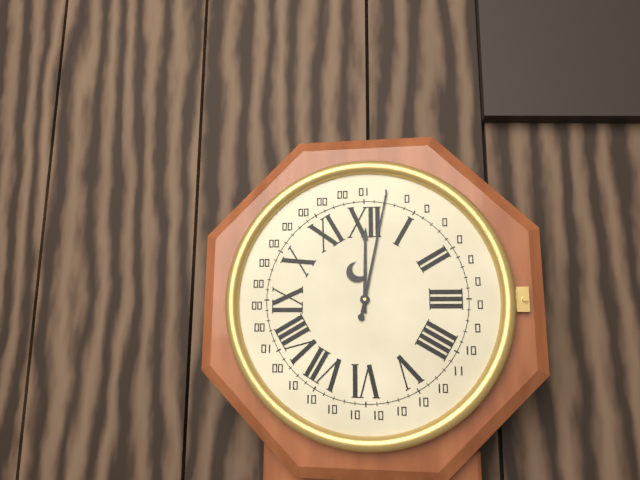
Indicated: 12,02
